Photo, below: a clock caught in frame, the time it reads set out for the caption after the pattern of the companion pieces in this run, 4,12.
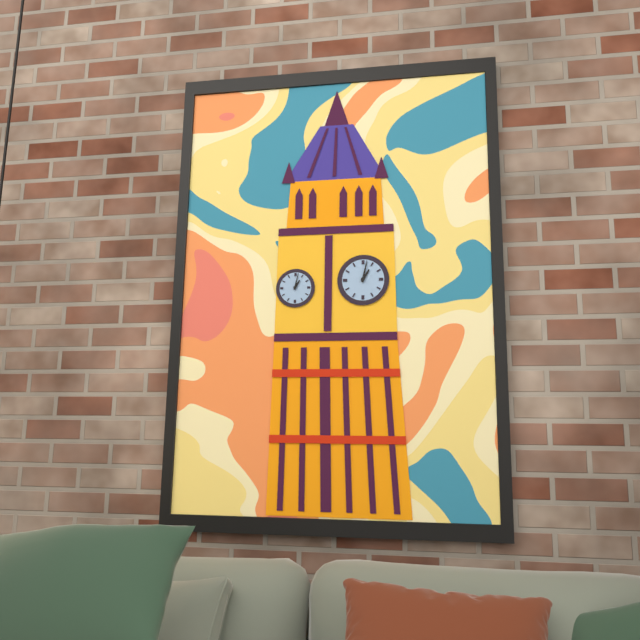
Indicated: 1,02
